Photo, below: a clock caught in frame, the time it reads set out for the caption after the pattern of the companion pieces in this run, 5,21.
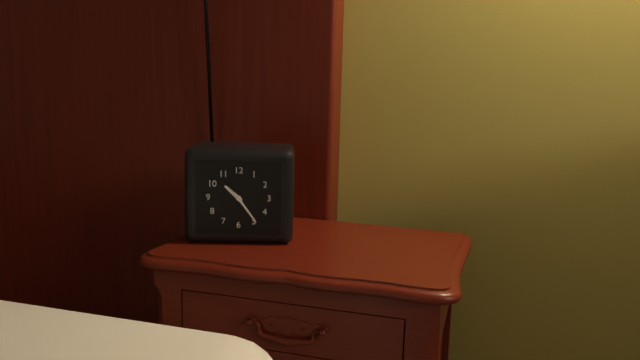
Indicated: 10,24
